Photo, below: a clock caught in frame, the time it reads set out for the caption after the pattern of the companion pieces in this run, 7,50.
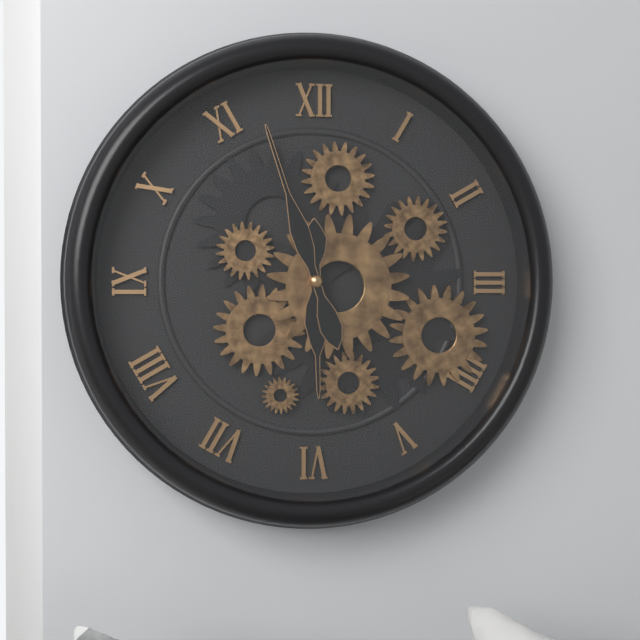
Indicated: 5,57
